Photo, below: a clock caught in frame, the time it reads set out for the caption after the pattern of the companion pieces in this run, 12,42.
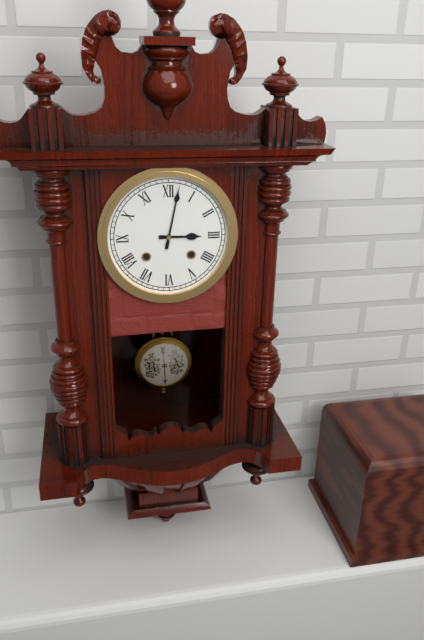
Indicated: 3,02
